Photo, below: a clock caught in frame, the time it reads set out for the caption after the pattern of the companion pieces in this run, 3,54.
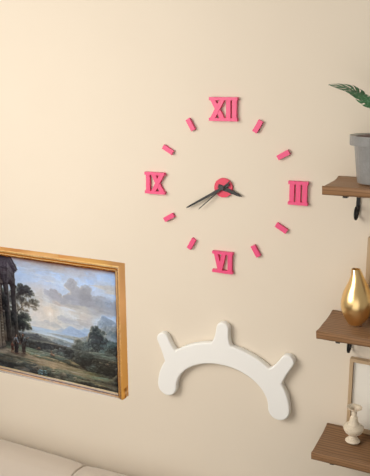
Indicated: 3,40
